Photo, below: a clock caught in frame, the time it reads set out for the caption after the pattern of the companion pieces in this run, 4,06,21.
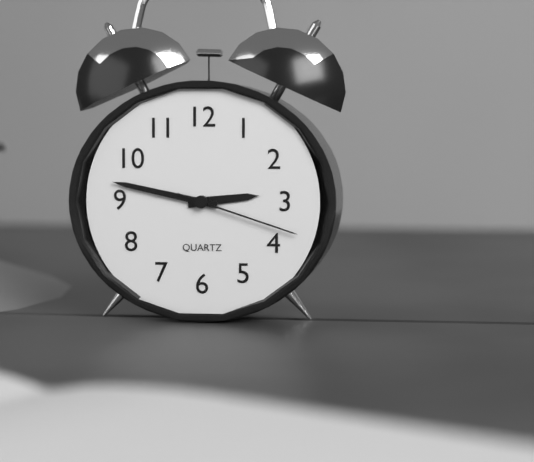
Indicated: 2,47,18
